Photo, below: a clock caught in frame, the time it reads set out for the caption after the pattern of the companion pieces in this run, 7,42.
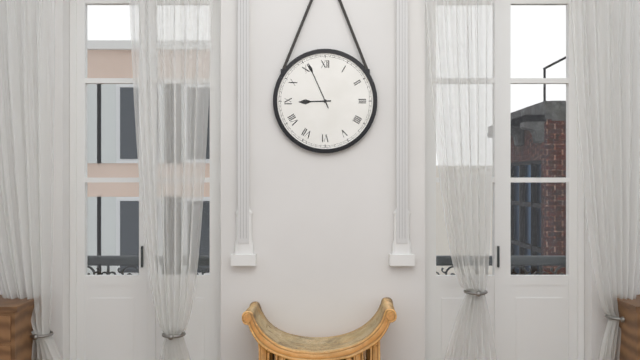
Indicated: 8,56
